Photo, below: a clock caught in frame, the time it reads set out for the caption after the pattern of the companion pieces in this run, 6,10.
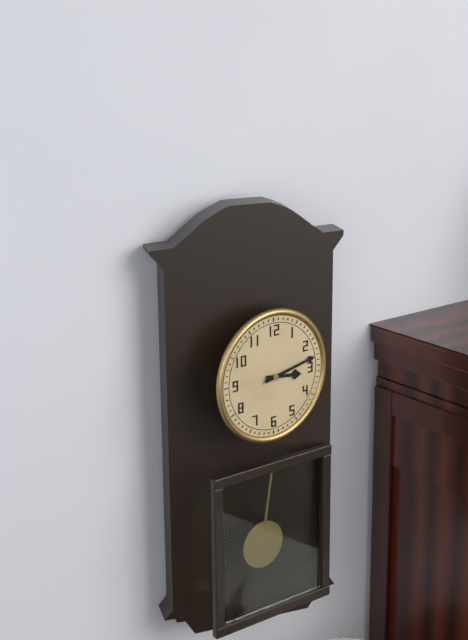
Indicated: 3,13
